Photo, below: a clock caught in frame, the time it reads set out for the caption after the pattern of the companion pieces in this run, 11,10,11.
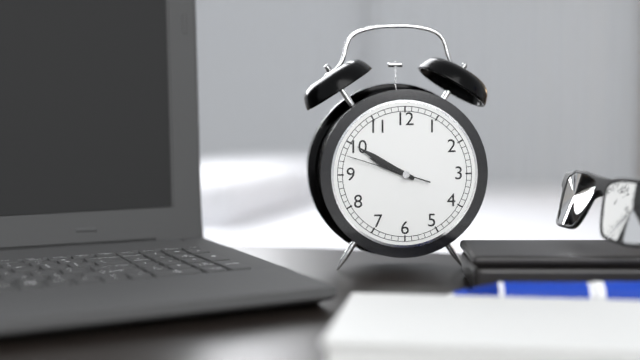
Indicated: 9,50,48
